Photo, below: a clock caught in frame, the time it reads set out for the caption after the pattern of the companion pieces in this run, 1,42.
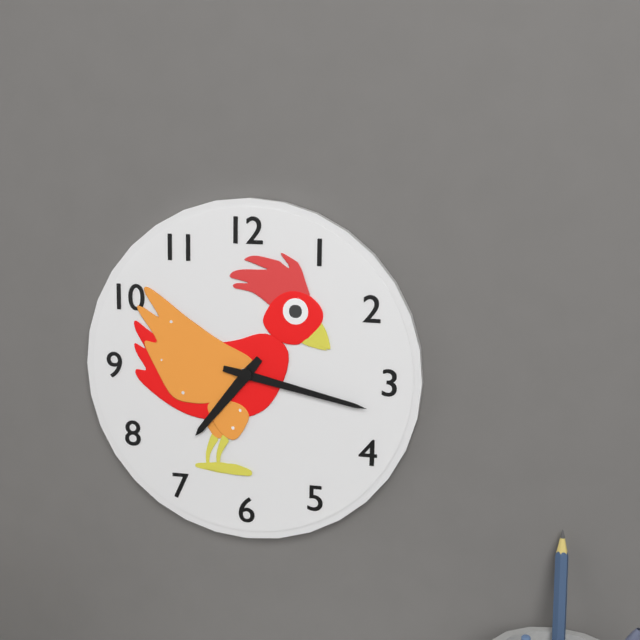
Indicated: 7,17
